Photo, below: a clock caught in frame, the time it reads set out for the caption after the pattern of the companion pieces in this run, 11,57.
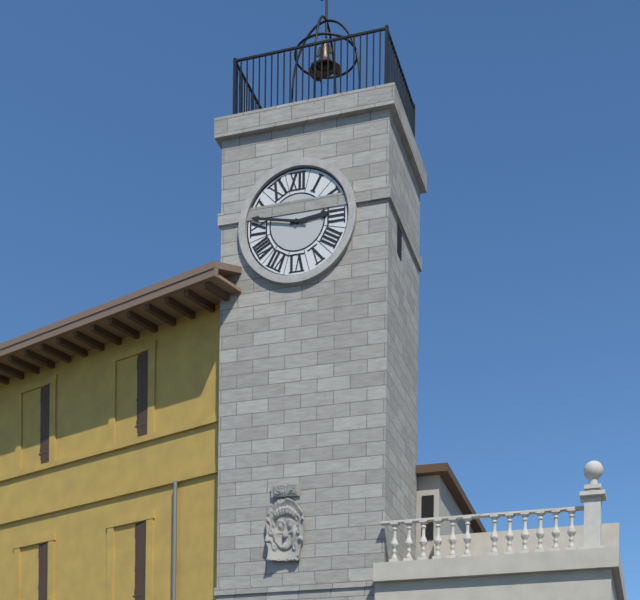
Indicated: 2,47
